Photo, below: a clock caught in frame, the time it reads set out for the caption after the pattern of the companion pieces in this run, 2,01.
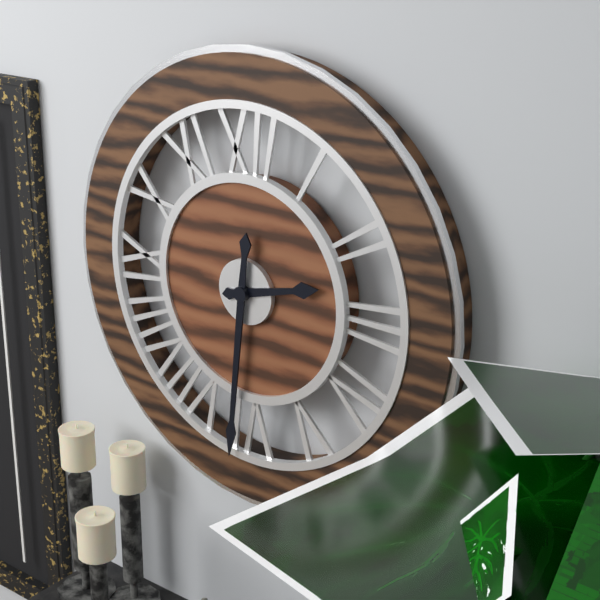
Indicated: 2,31
